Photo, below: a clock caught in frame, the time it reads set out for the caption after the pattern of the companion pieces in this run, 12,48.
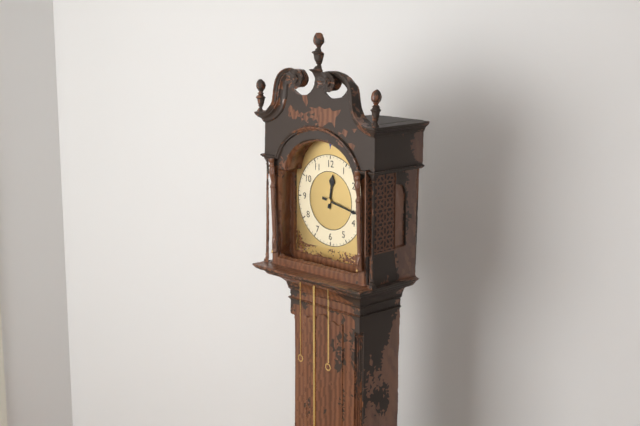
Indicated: 12,17
